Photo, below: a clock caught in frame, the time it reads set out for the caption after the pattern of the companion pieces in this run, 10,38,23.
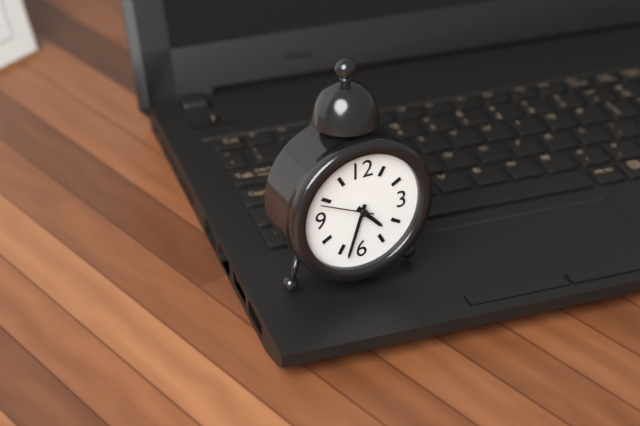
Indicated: 4,33,49
